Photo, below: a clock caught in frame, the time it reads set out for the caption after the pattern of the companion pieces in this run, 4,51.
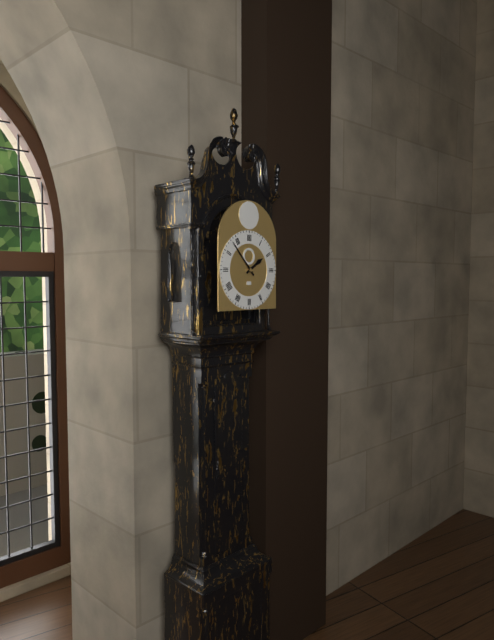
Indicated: 1,53
